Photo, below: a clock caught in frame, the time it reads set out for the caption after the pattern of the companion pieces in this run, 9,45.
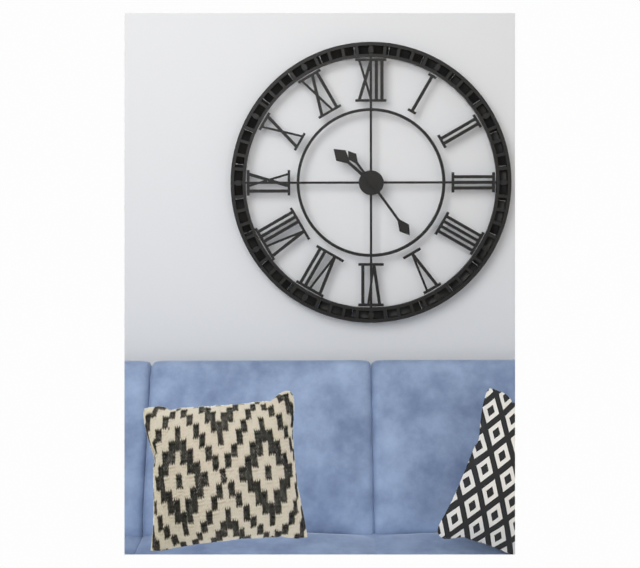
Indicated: 10,24
